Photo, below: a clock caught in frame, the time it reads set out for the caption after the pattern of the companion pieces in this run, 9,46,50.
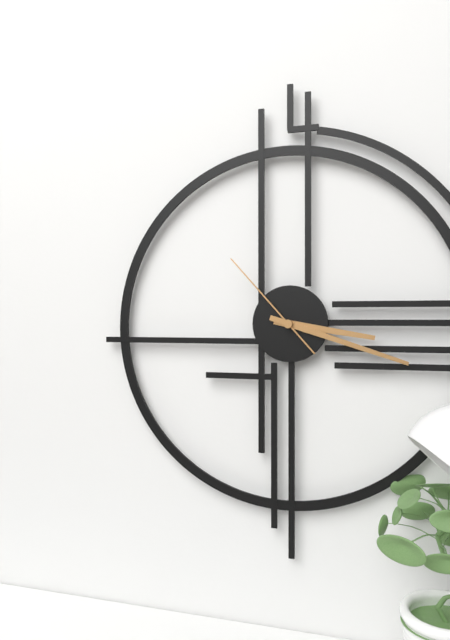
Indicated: 3,18,53
